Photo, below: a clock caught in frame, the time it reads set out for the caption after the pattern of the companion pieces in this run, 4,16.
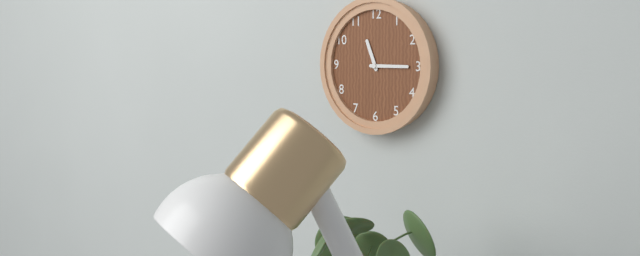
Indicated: 11,15
